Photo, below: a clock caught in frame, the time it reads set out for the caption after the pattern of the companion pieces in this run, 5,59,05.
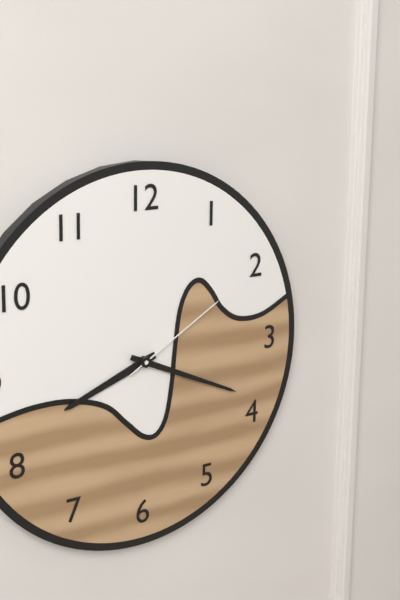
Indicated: 8,19,10
